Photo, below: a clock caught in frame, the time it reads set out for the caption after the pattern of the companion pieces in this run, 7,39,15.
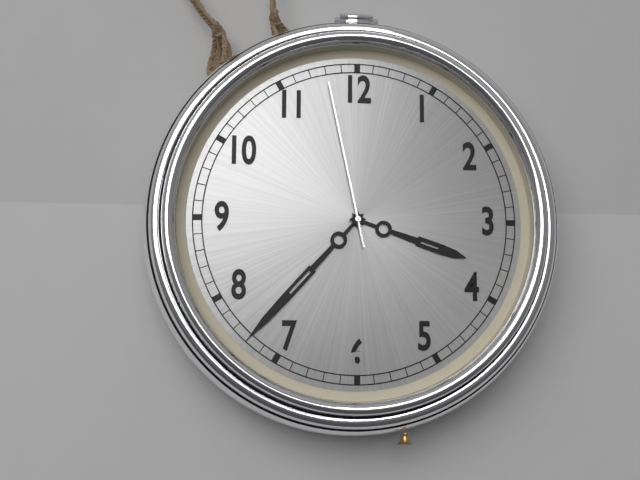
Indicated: 3,37,58
